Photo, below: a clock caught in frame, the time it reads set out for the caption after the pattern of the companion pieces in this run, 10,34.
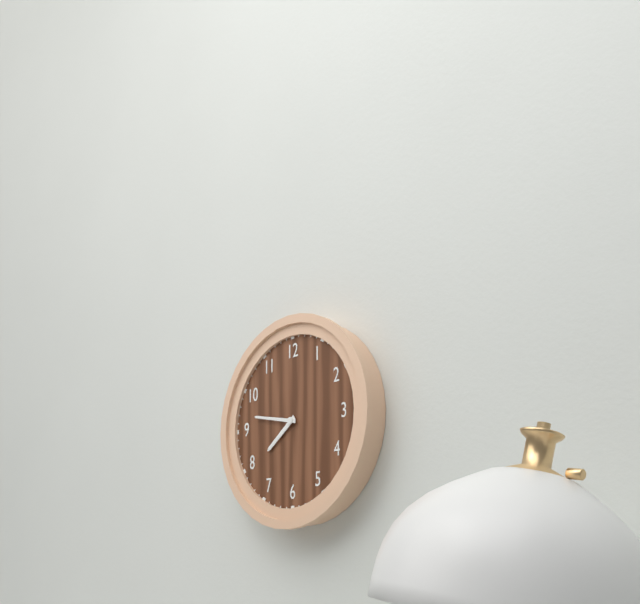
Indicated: 7,47
